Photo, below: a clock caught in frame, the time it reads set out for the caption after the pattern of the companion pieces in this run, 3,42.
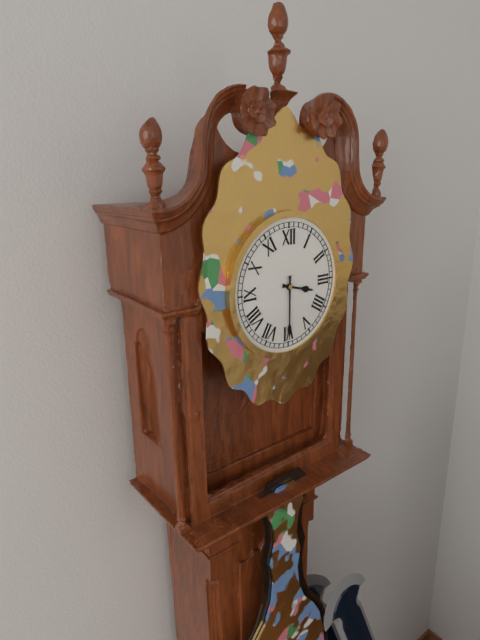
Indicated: 3,30
